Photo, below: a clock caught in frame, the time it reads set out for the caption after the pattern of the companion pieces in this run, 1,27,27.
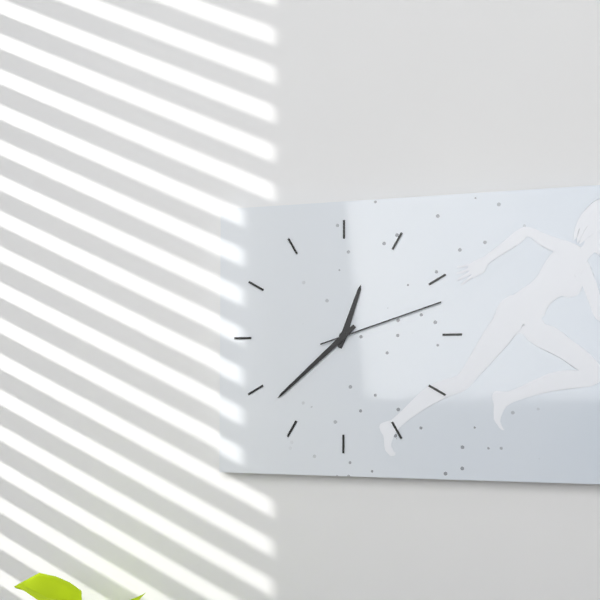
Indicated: 12,38,12
